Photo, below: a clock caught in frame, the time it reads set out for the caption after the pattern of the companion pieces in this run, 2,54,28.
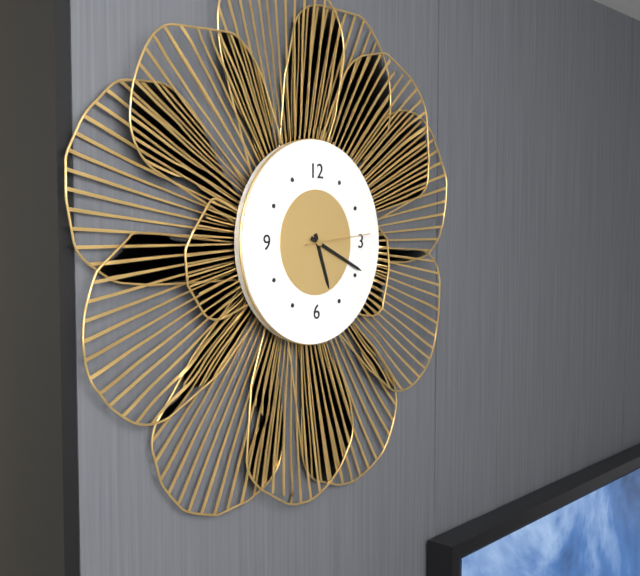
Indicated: 5,19,14
